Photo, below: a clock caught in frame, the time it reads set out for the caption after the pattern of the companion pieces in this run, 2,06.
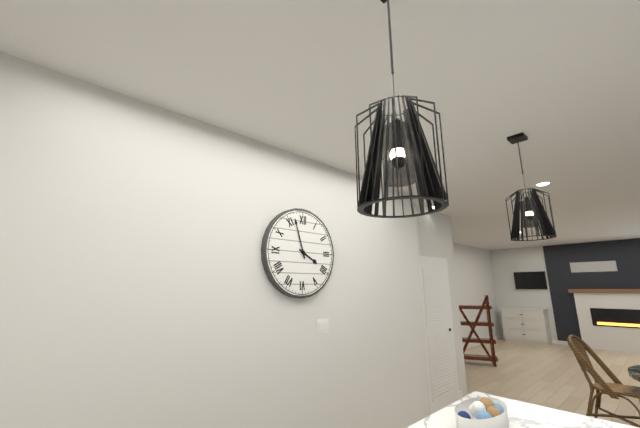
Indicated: 3,57
